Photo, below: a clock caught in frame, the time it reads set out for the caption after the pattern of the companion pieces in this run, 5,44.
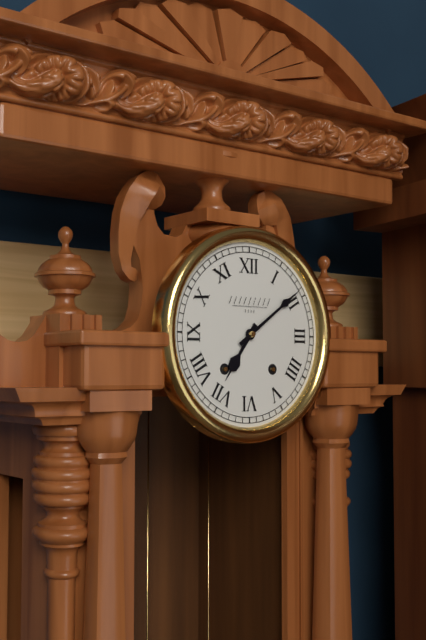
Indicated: 7,09
